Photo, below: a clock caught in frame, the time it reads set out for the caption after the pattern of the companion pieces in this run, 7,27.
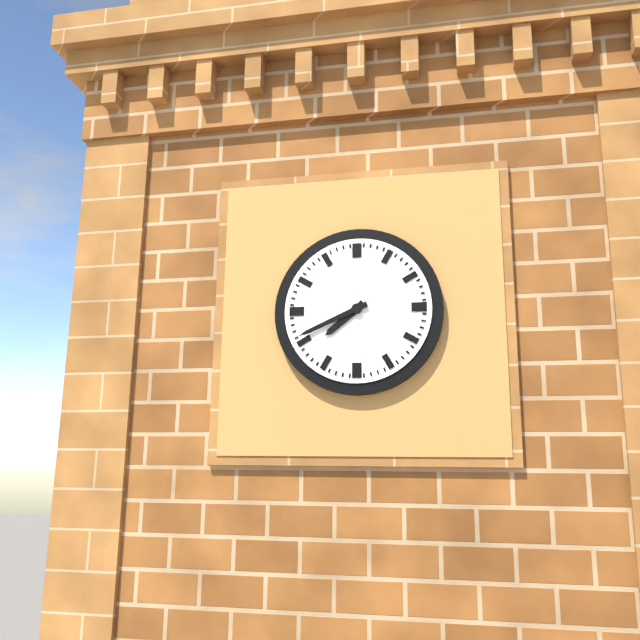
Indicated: 7,41
